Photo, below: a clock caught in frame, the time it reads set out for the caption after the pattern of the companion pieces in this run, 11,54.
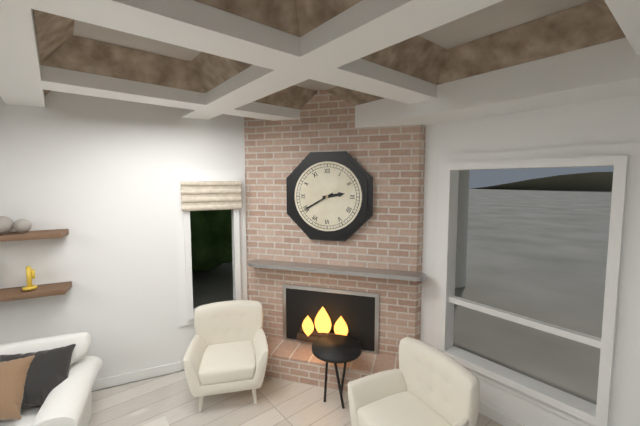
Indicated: 2,40
